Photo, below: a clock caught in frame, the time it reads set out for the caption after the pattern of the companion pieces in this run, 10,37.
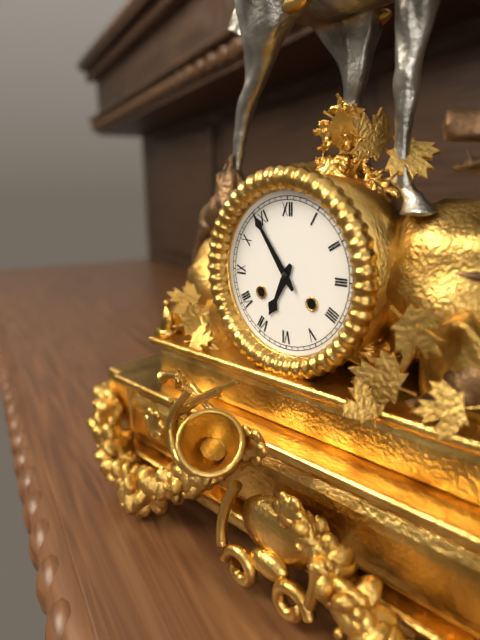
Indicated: 6,54
